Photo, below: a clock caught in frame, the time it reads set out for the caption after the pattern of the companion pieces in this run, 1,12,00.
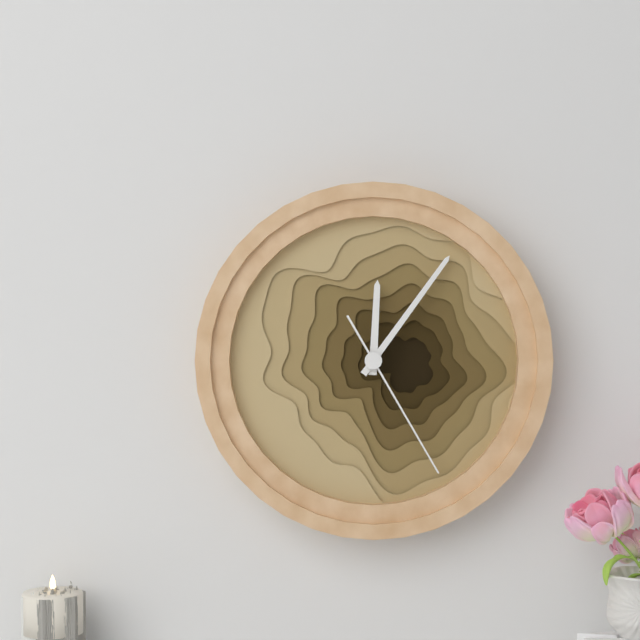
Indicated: 12,06,25
